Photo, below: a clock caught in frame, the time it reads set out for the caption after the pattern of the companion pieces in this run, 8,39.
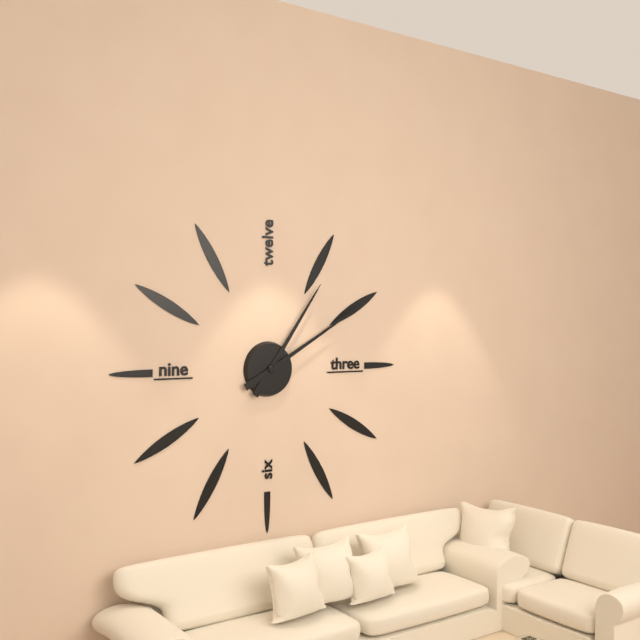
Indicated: 1,10
